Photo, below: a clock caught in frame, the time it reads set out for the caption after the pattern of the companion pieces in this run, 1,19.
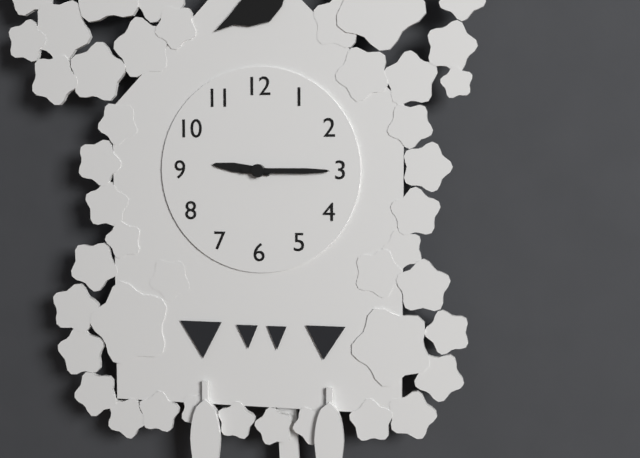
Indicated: 9,15
